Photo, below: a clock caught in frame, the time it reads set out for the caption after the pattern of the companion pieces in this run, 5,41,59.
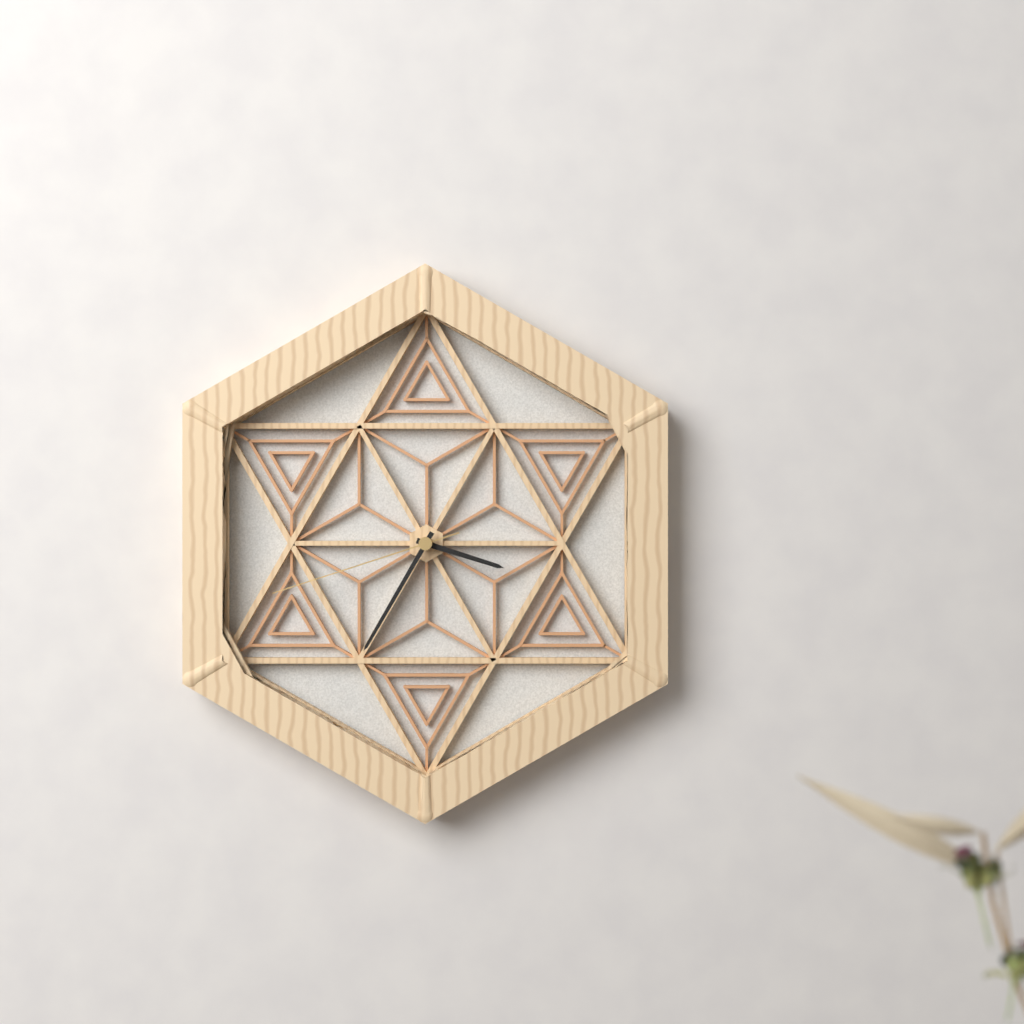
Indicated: 3,35,42
